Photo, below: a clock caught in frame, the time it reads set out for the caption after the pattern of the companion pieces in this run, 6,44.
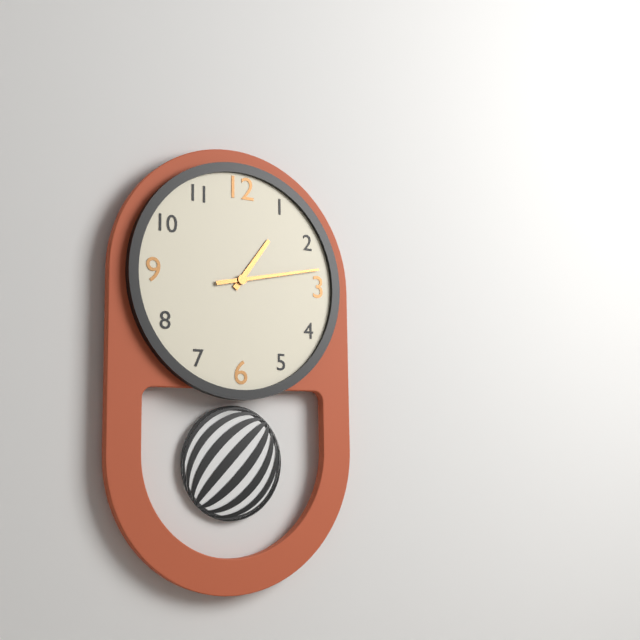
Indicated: 1,13
